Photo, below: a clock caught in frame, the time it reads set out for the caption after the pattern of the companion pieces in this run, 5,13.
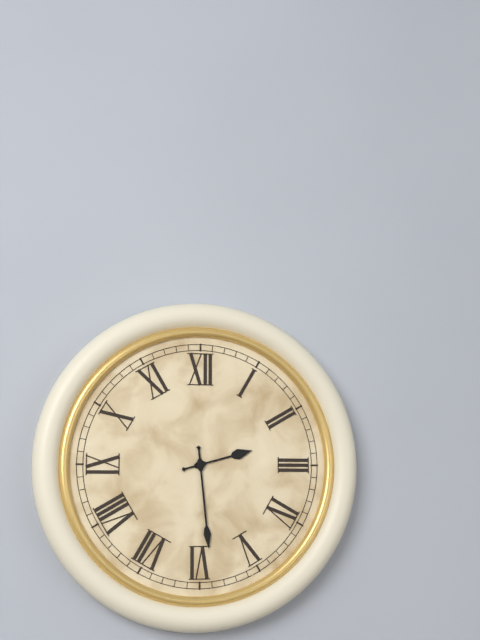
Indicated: 2,29
